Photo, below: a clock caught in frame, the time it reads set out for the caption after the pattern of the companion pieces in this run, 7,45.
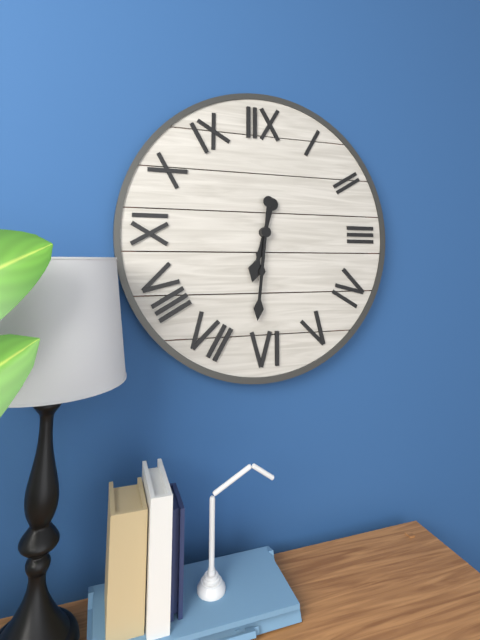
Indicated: 6,31
